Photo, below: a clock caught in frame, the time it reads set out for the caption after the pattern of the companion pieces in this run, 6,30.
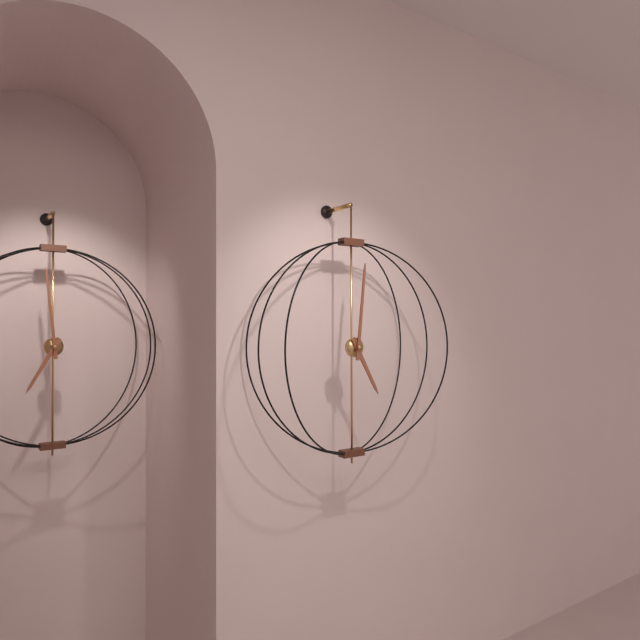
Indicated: 5,01
